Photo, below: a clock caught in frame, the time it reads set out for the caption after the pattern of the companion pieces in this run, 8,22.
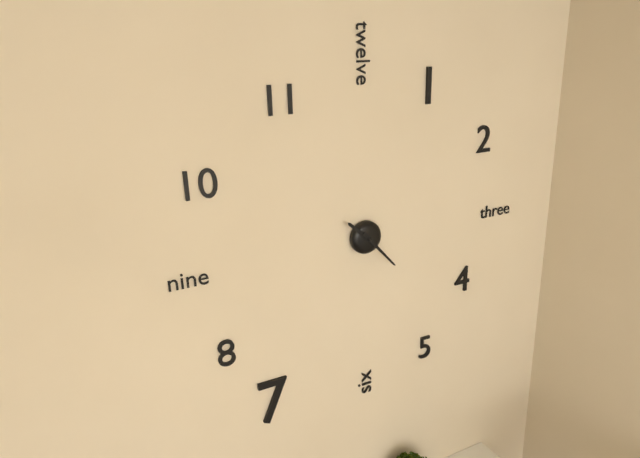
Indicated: 10,23
